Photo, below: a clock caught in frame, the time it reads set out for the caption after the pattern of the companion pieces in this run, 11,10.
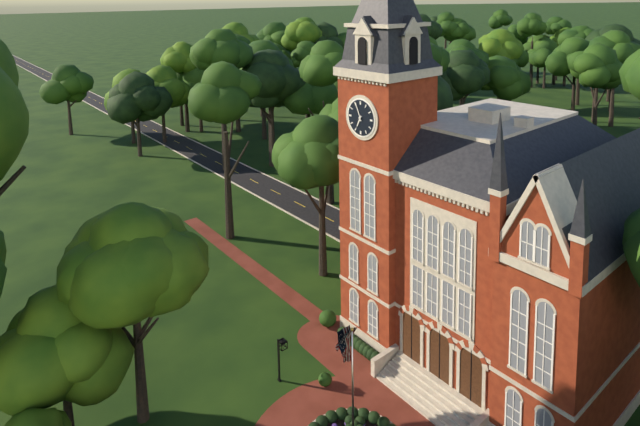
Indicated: 6,56
